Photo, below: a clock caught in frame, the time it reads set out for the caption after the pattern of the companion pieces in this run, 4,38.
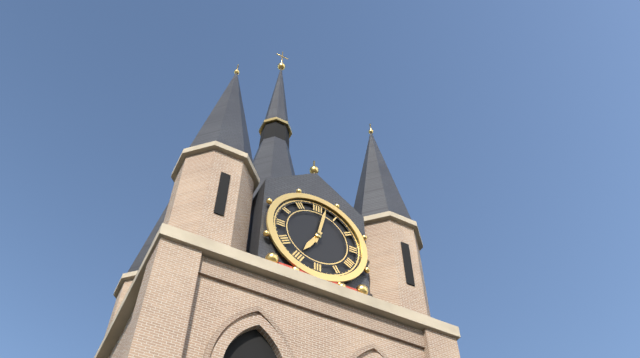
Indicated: 7,02
